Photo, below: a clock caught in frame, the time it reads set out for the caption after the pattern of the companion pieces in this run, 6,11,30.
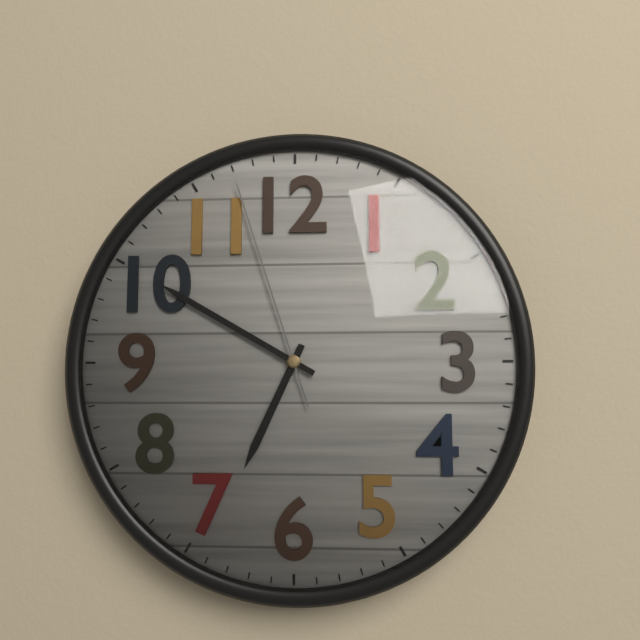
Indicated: 6,50,57
